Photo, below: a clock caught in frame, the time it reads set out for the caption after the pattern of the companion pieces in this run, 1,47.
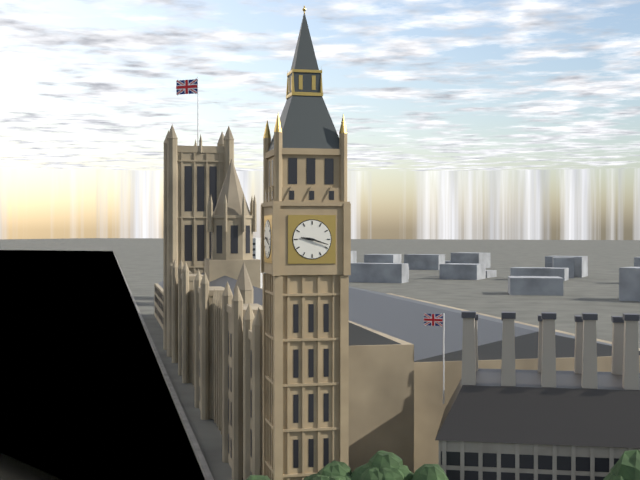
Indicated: 9,18
